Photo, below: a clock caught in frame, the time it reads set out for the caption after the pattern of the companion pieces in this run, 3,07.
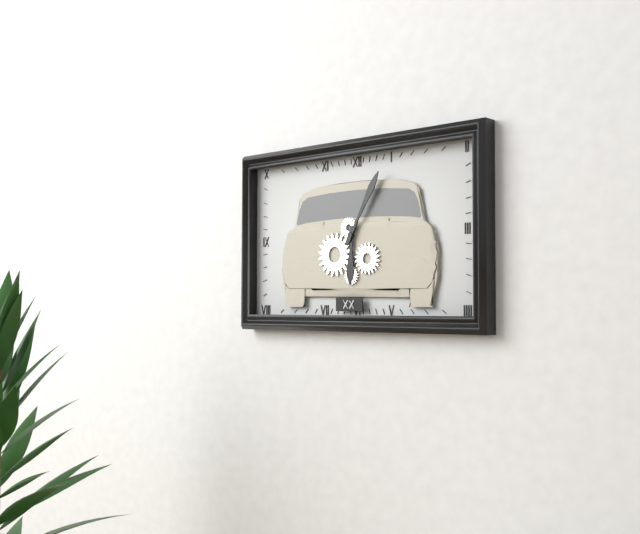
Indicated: 6,05
